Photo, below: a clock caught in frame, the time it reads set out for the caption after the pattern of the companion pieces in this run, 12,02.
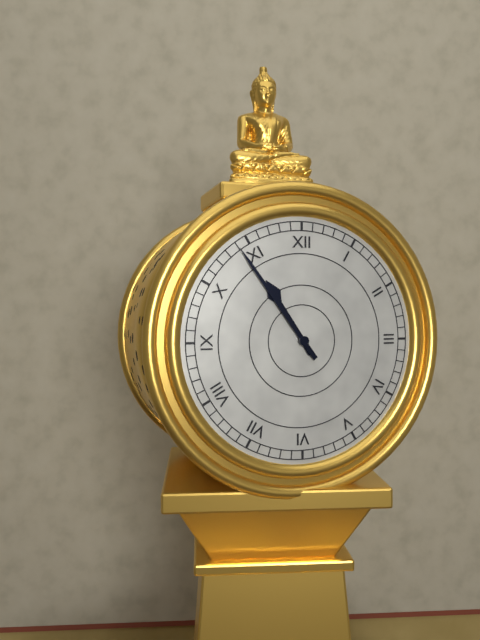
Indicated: 10,54
